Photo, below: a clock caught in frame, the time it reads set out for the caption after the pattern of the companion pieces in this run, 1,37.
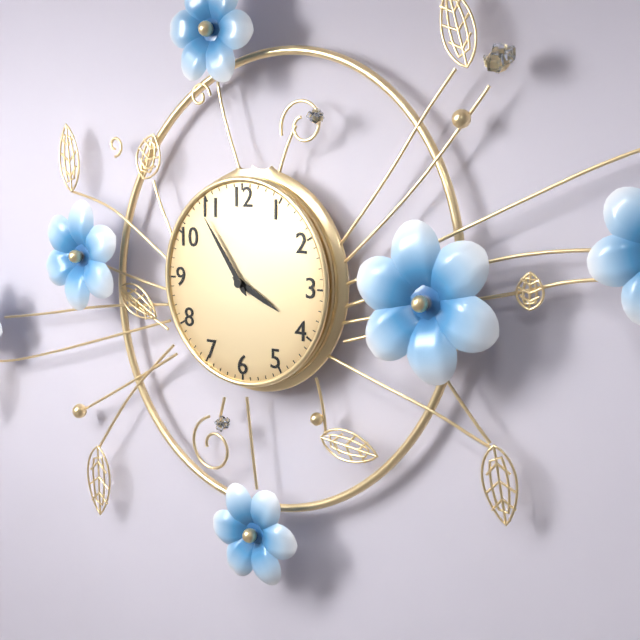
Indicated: 3,54
